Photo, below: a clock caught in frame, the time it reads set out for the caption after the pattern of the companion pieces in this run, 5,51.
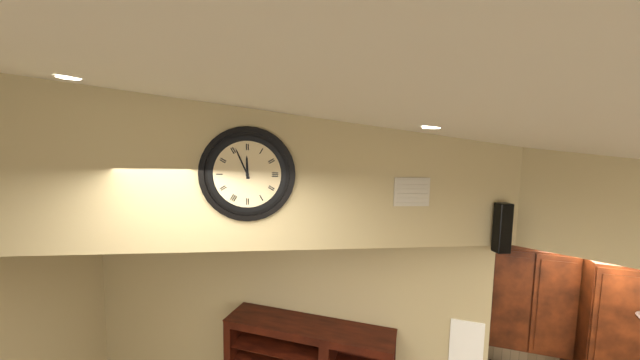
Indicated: 11,56
